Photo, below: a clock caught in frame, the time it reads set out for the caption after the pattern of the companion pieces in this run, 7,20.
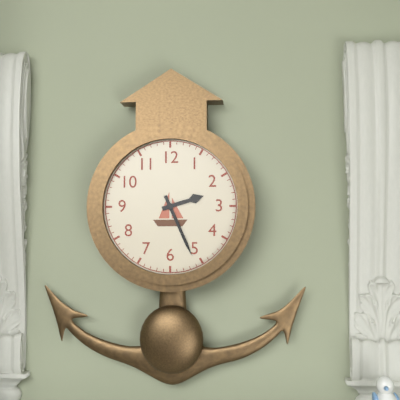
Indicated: 2,26
